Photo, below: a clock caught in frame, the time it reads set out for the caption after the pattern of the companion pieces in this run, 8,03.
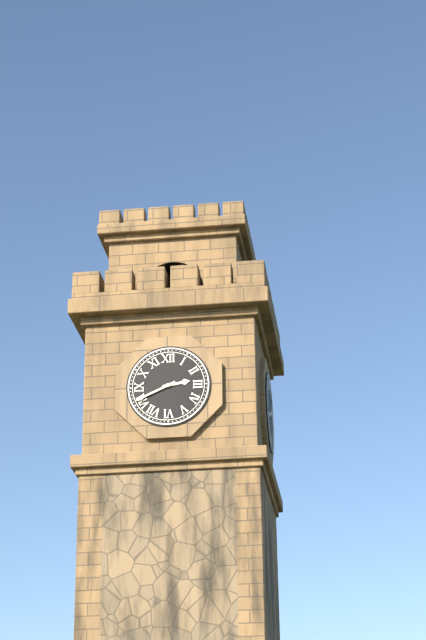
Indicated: 2,41
